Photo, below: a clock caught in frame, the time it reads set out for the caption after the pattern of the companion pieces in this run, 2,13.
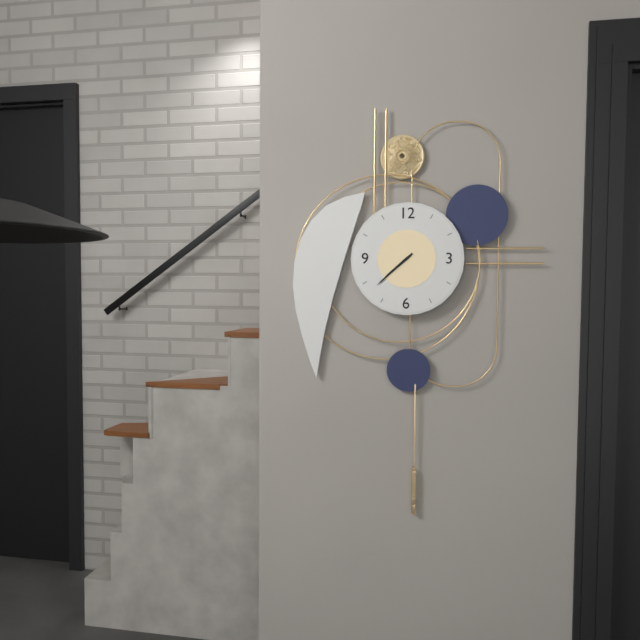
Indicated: 7,38
